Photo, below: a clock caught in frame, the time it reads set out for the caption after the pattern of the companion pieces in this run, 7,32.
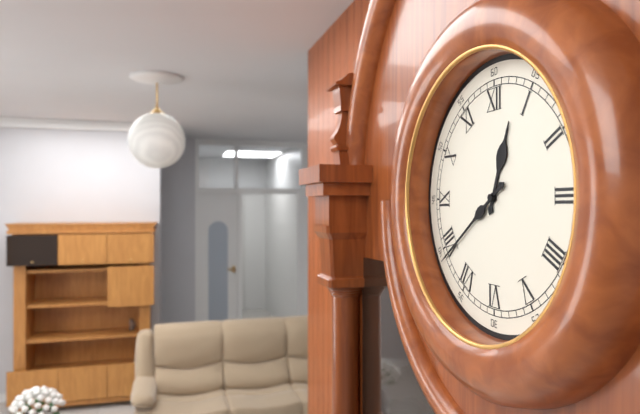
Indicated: 12,39
